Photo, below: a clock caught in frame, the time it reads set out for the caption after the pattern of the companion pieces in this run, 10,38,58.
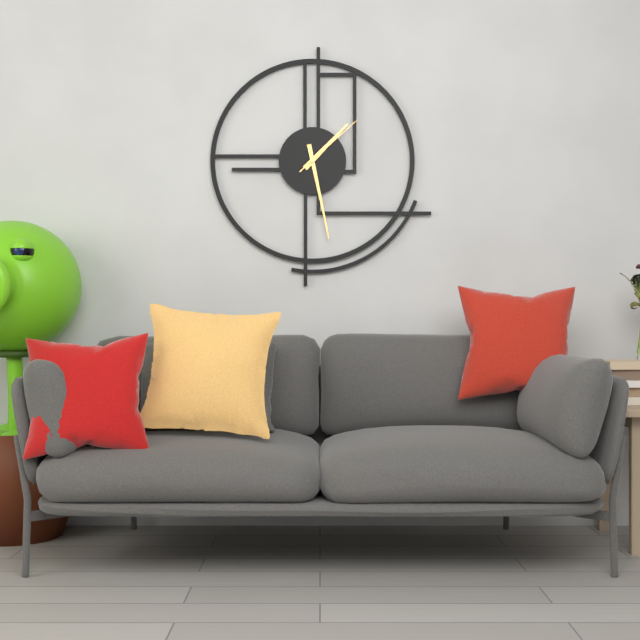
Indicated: 1,28,08
